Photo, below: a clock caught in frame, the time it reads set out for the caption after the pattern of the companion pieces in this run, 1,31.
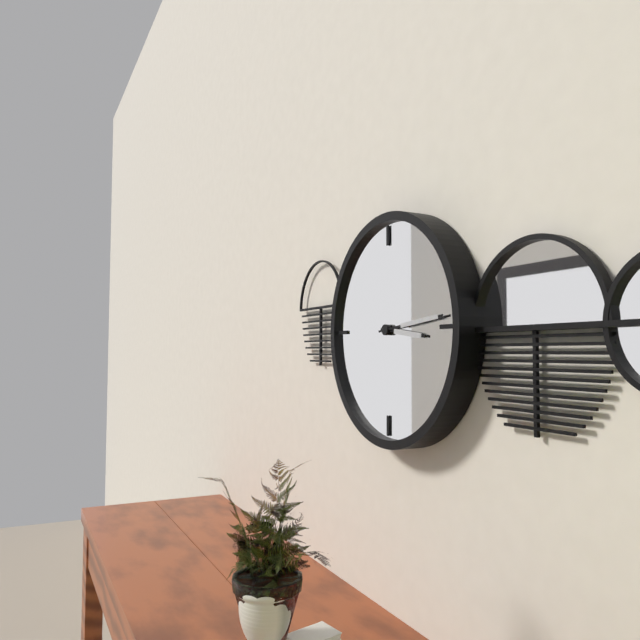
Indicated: 3,14
